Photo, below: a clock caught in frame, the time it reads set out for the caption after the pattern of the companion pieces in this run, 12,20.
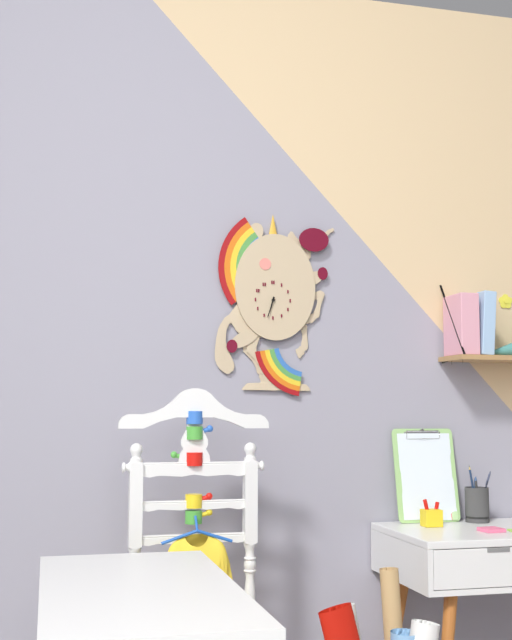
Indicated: 6,33
